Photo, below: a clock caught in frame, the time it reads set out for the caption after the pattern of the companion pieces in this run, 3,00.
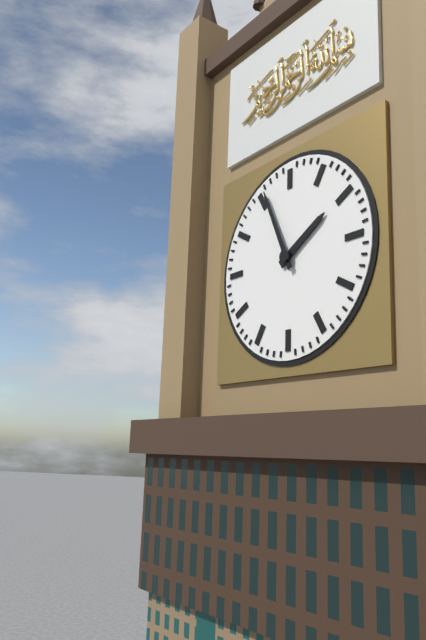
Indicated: 1,56
